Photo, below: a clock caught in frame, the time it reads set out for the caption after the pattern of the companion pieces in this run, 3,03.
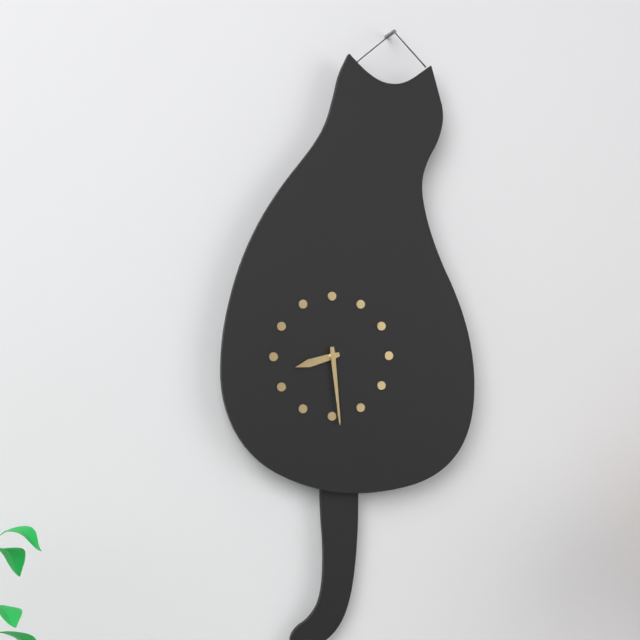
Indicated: 8,29
